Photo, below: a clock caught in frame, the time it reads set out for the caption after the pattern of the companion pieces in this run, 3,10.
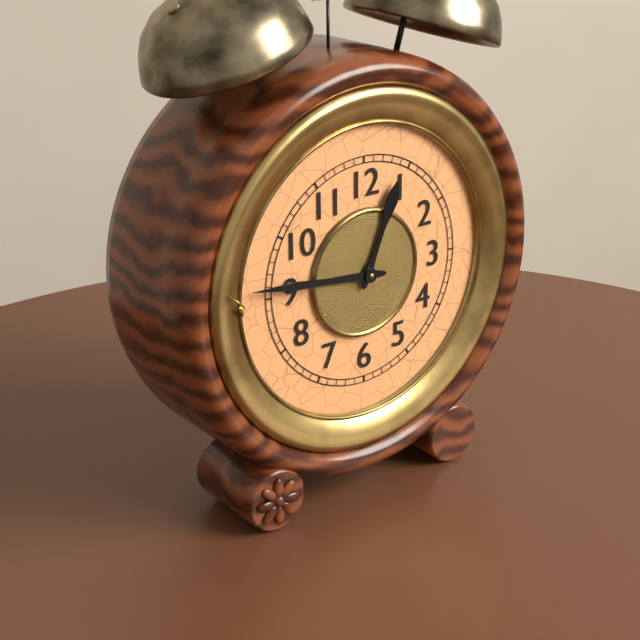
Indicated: 12,46
